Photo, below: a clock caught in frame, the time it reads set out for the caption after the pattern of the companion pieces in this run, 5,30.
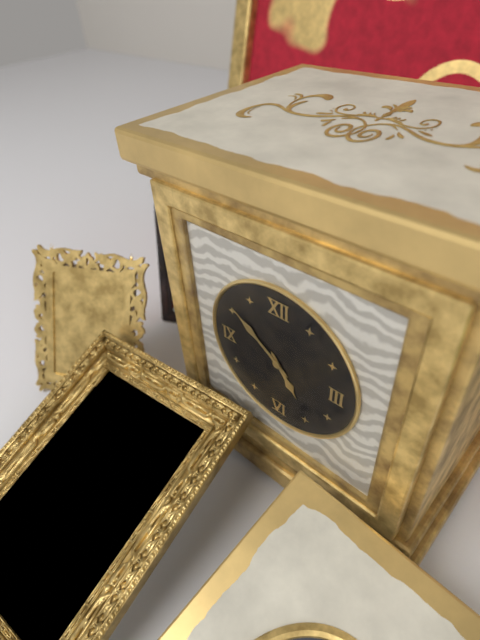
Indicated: 4,51
